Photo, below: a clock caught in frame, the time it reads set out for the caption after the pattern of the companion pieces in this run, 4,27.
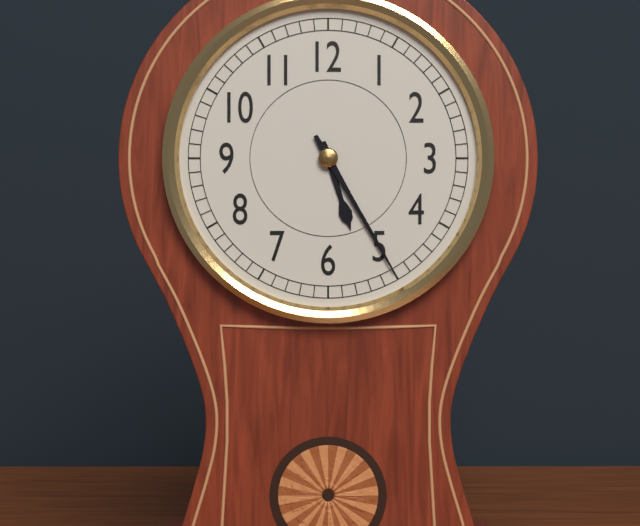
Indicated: 5,25
